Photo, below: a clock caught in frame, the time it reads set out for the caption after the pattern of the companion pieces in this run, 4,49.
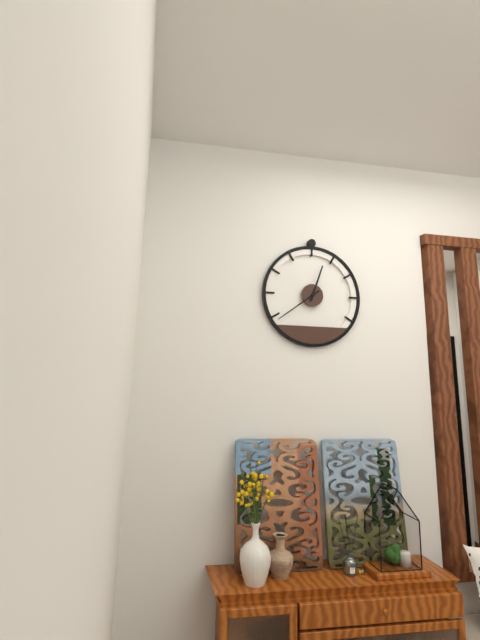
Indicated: 12,39
